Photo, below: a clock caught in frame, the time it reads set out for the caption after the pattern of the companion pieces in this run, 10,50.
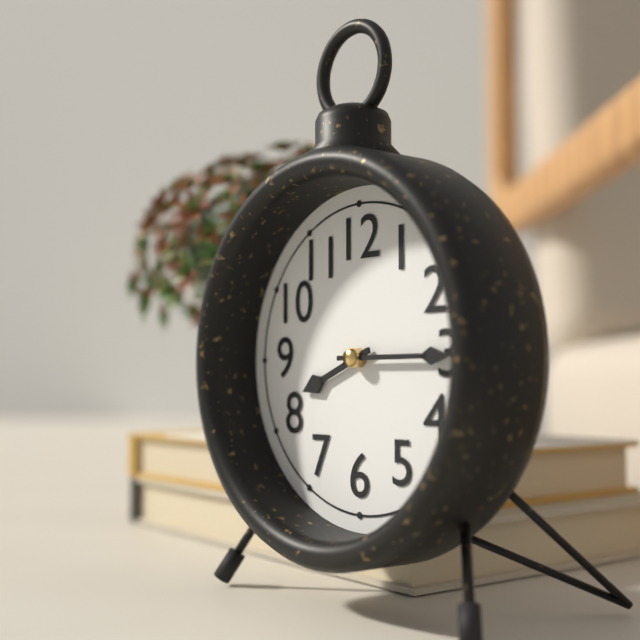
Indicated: 8,15
